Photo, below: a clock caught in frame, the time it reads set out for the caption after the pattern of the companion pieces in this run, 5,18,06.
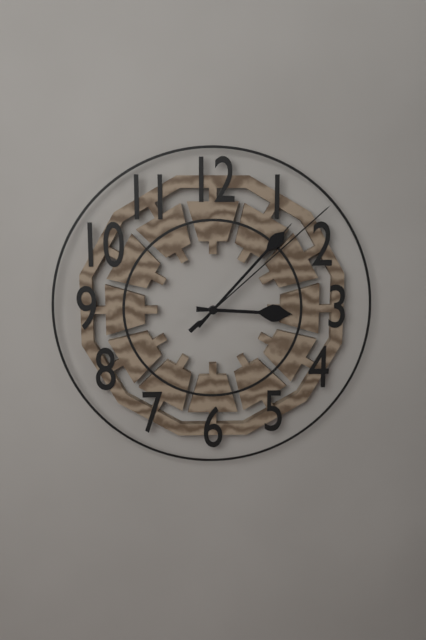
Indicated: 3,07,08
